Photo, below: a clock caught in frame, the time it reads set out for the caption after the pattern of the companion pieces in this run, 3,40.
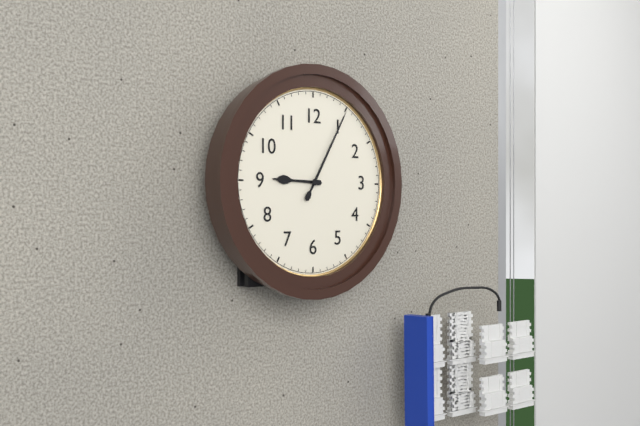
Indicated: 9,05
